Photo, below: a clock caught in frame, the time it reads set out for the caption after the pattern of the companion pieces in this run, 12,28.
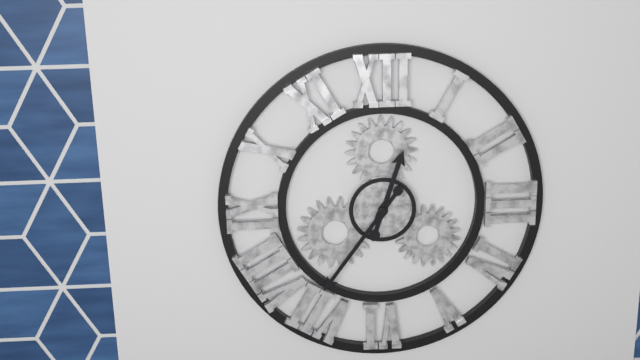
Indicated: 12,36
